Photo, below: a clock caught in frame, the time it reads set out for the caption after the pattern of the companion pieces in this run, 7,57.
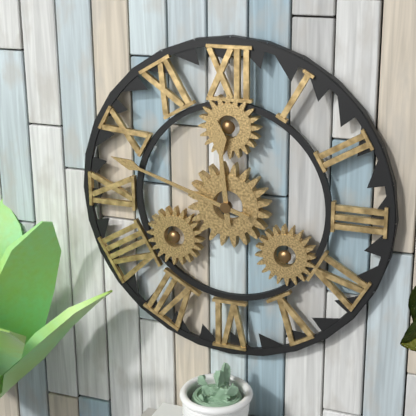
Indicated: 11,48
